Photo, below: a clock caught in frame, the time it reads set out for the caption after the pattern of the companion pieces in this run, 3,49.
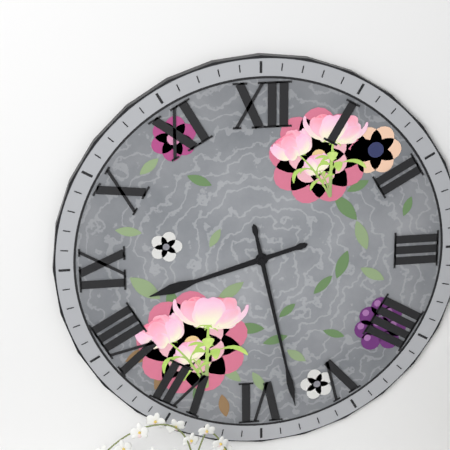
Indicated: 8,28
